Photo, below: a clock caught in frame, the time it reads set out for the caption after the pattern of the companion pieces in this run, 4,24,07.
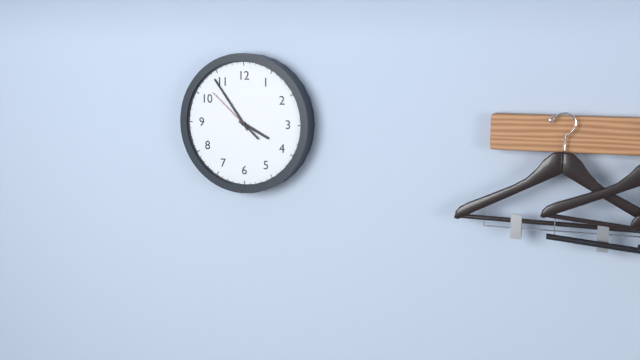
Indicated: 3,54,52
